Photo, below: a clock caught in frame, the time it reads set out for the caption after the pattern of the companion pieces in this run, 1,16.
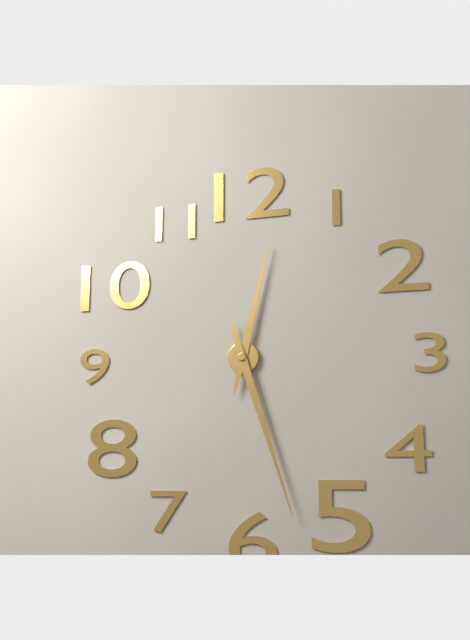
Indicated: 12,27
